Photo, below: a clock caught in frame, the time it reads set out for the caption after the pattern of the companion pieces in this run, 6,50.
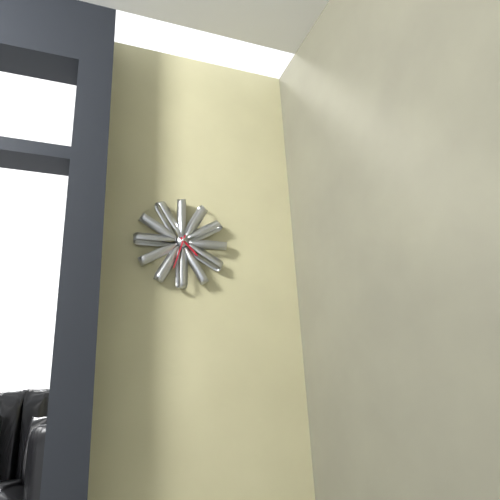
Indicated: 4,33
